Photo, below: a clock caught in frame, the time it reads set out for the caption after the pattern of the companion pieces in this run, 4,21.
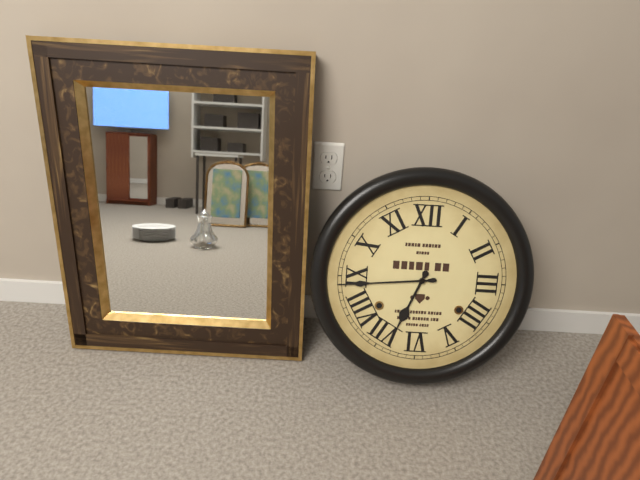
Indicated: 6,44
